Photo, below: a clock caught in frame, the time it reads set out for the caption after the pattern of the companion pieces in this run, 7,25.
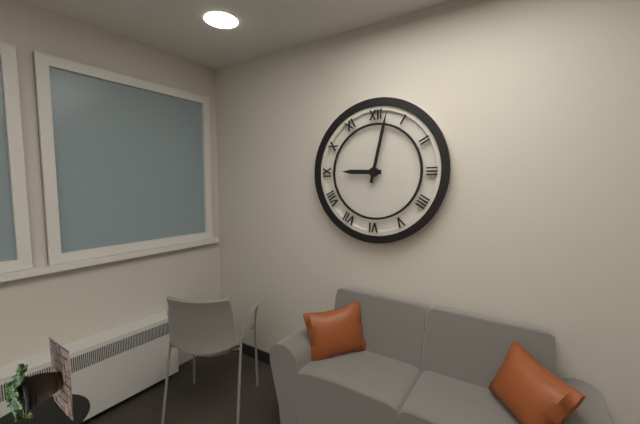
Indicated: 9,02
